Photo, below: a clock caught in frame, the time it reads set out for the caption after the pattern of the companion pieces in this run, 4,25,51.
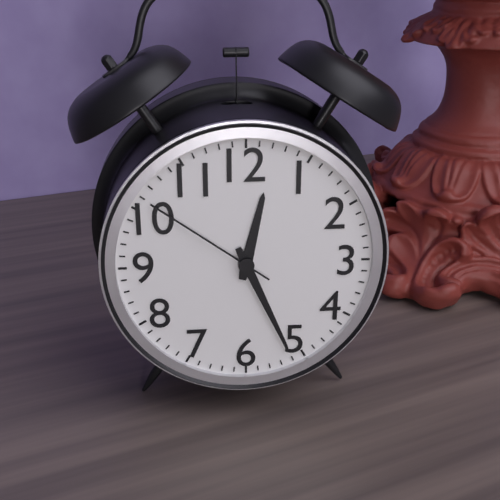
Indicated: 12,26,51
